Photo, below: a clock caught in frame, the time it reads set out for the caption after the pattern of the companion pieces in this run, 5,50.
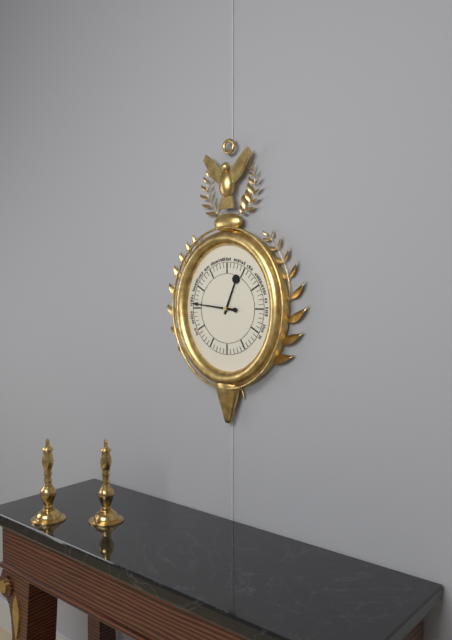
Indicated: 12,46
